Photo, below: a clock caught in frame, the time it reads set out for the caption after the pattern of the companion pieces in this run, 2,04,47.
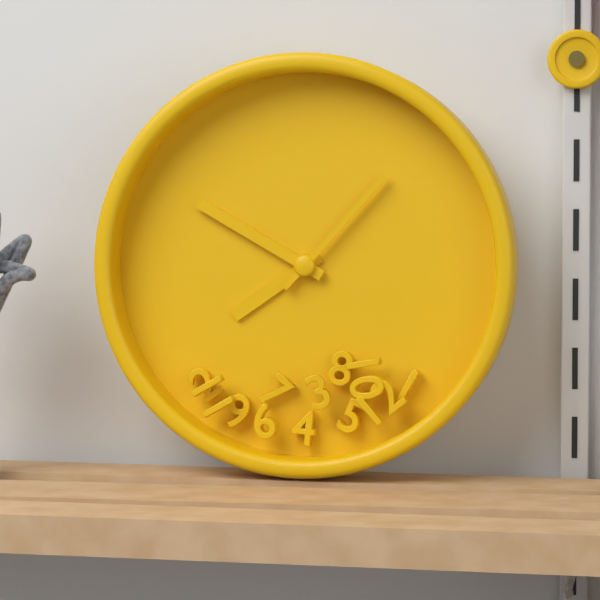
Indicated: 7,50,07
